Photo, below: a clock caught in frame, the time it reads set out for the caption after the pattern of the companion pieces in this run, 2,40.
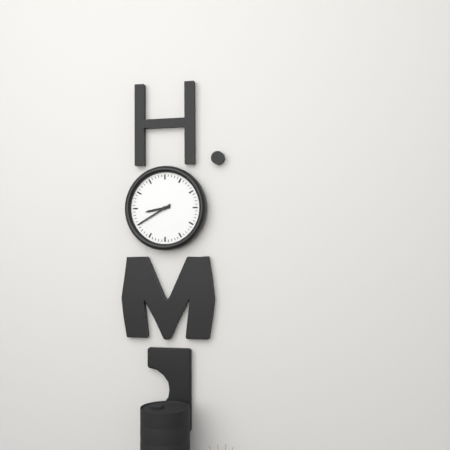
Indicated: 8,40
